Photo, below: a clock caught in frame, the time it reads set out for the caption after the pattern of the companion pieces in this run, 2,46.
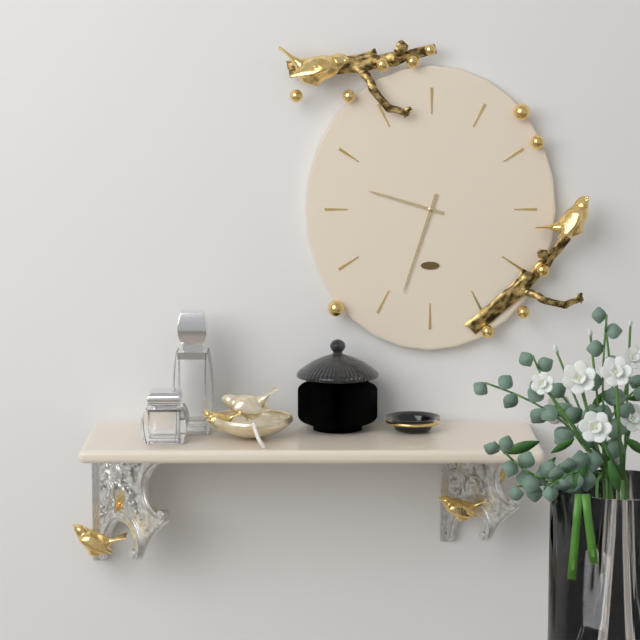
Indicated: 9,33
